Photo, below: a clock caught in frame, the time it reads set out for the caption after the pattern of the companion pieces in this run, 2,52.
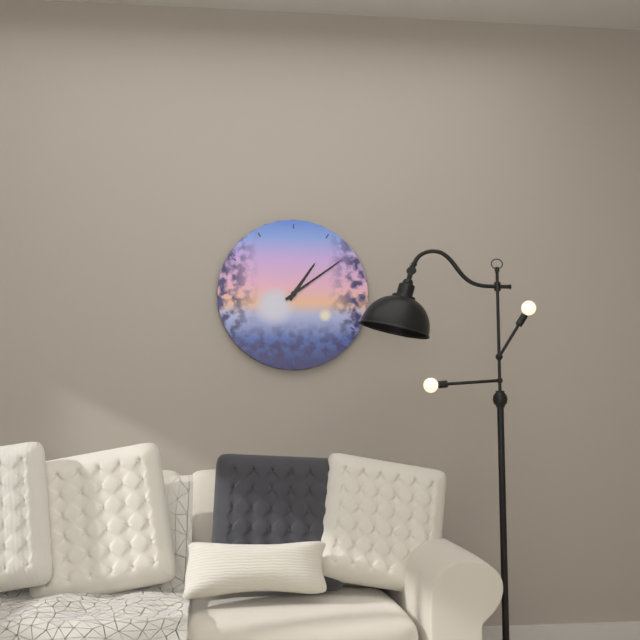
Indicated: 1,09
